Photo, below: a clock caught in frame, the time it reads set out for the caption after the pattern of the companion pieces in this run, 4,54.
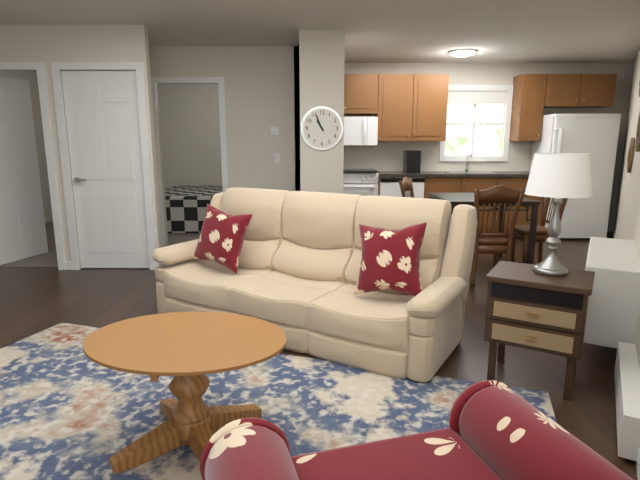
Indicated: 10,56
